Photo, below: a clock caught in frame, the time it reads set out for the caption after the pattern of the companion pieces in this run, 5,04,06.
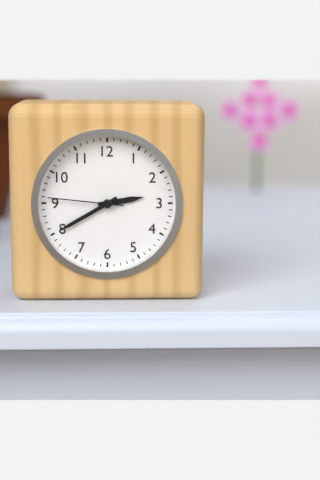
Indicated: 2,40,46
